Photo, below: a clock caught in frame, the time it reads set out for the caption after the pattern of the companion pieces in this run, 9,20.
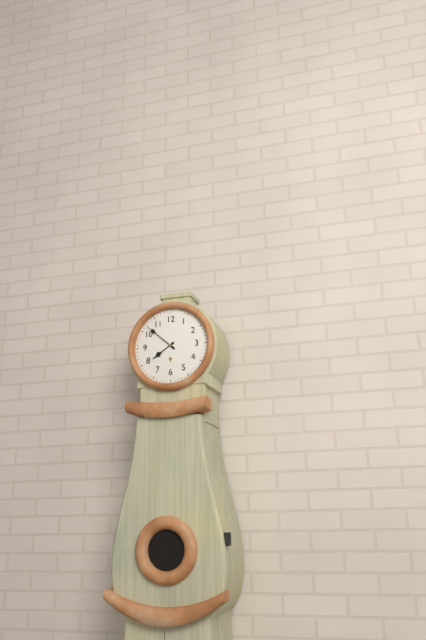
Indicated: 7,52
